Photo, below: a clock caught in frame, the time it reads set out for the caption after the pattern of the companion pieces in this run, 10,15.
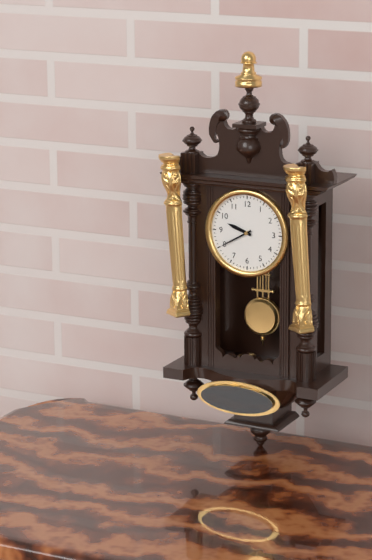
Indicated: 9,40
